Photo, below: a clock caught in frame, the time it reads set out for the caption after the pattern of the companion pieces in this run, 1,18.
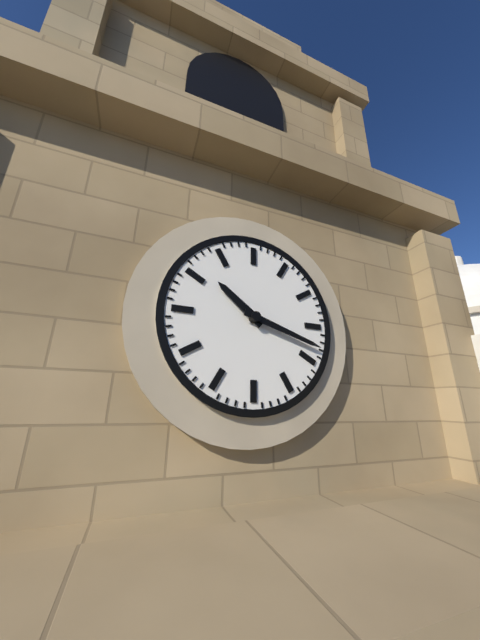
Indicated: 10,18
